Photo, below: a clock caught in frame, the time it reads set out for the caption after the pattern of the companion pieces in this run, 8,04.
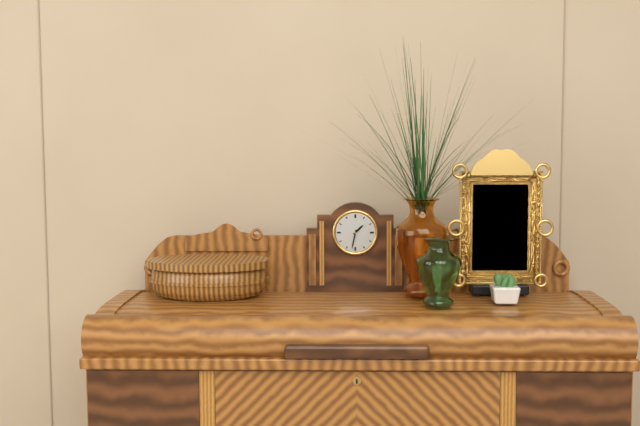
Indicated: 1,32
